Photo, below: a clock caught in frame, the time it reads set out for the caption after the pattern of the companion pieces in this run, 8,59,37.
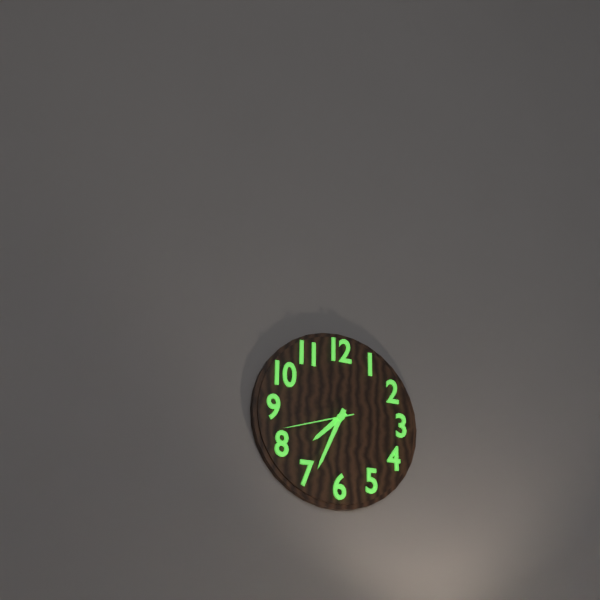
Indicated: 7,34,42
